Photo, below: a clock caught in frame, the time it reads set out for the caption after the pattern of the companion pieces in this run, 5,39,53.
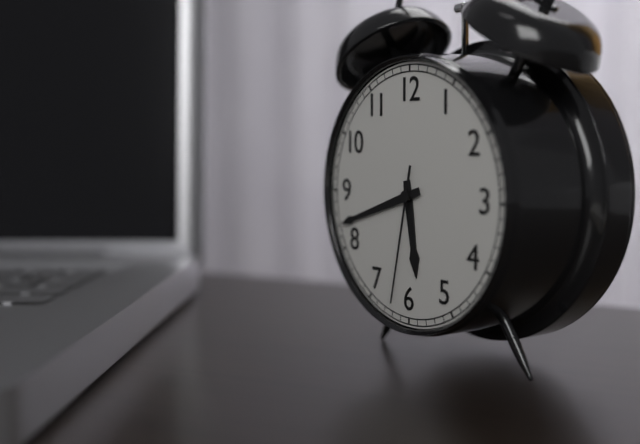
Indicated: 5,42,32
